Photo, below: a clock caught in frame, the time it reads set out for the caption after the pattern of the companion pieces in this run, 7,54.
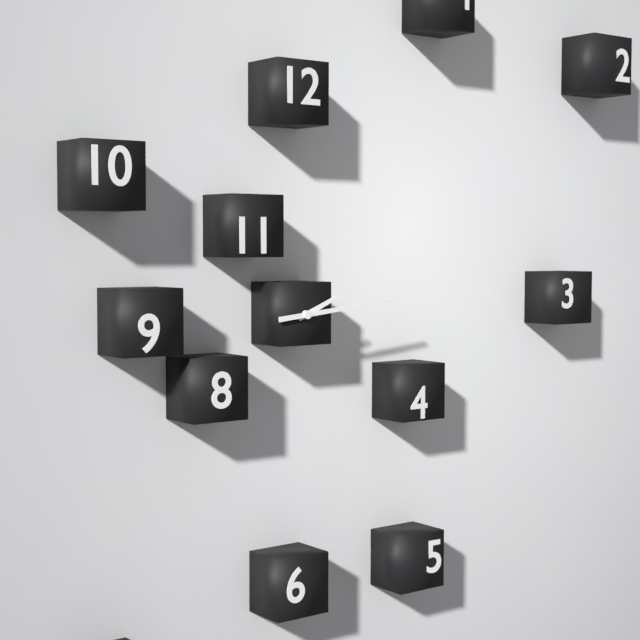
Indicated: 2,14
